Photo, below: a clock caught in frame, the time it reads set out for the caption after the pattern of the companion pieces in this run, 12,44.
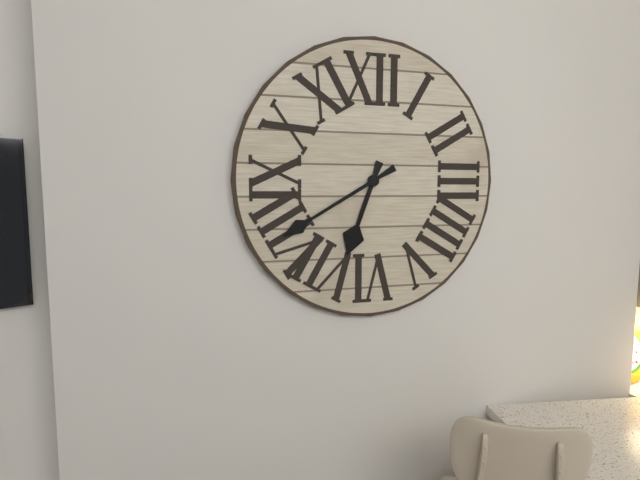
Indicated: 6,40
